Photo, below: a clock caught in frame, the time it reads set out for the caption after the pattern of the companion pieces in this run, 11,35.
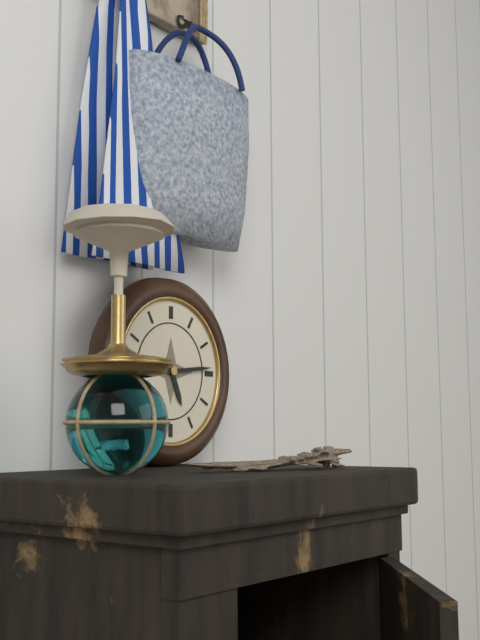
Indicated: 5,14
